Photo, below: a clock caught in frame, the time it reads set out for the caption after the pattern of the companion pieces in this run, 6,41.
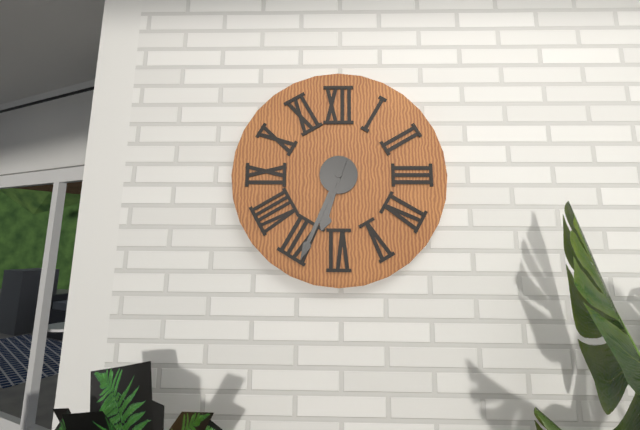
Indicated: 6,34
